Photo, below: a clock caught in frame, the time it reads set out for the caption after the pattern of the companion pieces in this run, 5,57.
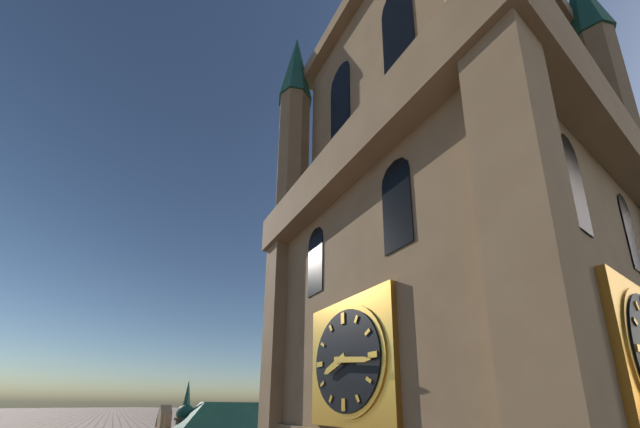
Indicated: 8,16
